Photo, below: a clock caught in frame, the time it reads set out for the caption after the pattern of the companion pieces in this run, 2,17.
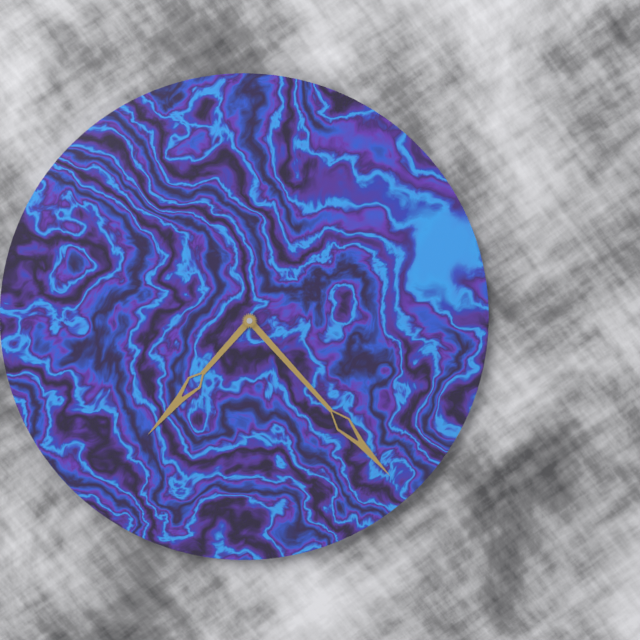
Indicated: 7,23
